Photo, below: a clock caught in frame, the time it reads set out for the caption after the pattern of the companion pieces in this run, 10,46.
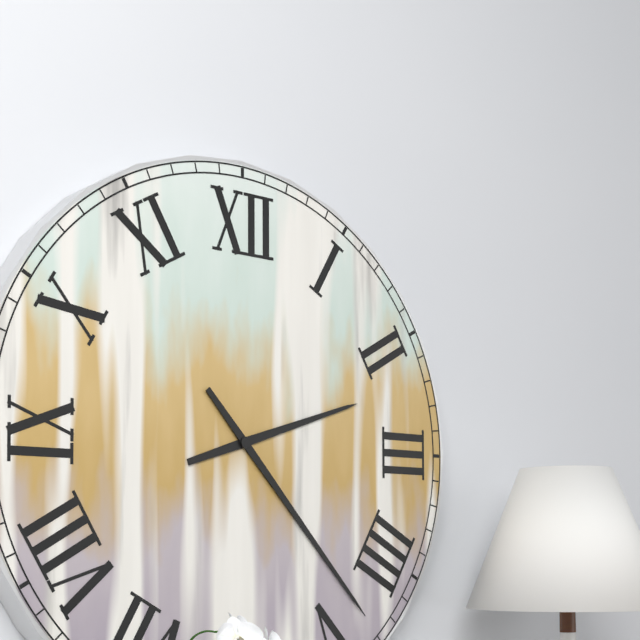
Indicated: 2,23
